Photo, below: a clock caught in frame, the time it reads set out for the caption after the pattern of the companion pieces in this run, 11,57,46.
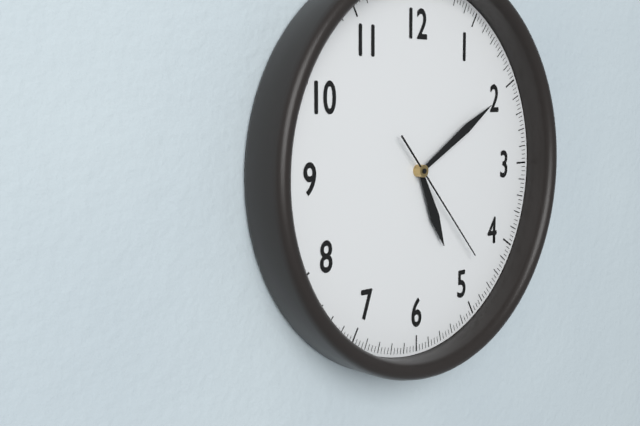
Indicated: 5,10,23
